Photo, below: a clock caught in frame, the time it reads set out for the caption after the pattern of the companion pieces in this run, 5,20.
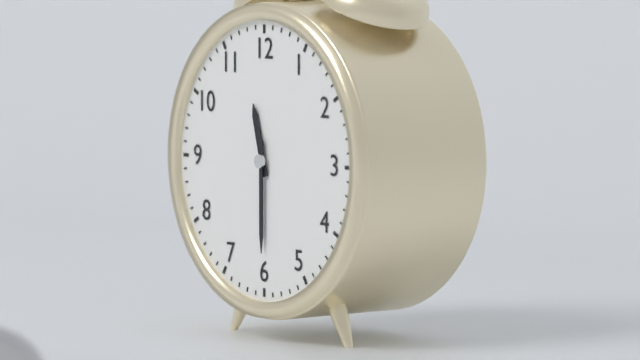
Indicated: 11,30
